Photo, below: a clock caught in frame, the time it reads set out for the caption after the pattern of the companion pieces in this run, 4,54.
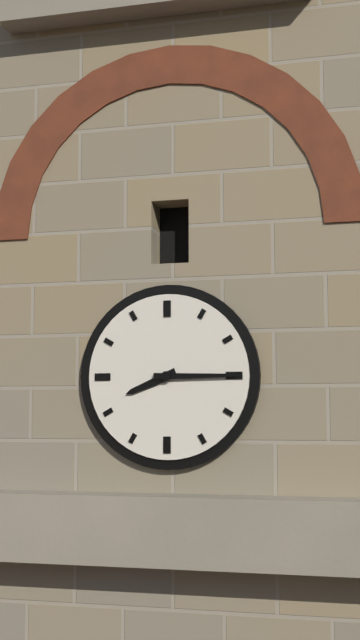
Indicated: 8,15
